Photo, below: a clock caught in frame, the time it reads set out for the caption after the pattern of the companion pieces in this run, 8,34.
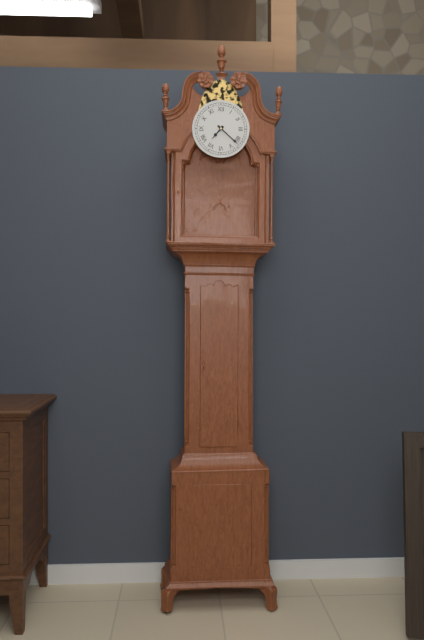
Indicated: 7,22
